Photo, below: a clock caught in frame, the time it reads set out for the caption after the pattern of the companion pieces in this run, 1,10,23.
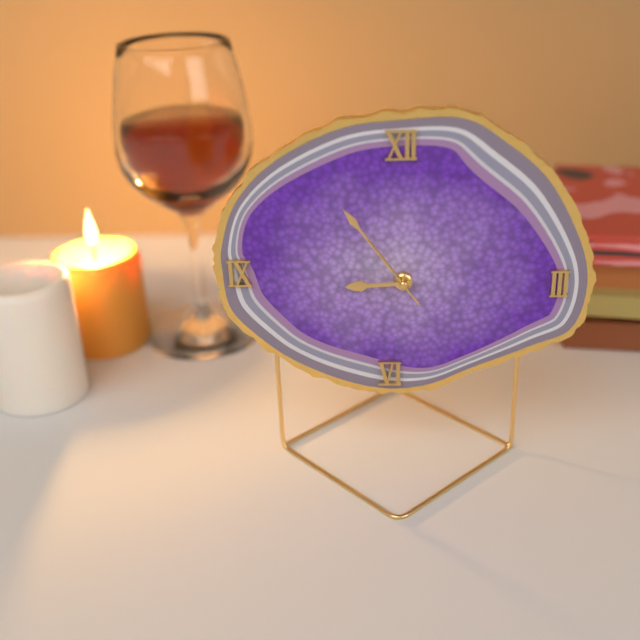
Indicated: 8,54,54
